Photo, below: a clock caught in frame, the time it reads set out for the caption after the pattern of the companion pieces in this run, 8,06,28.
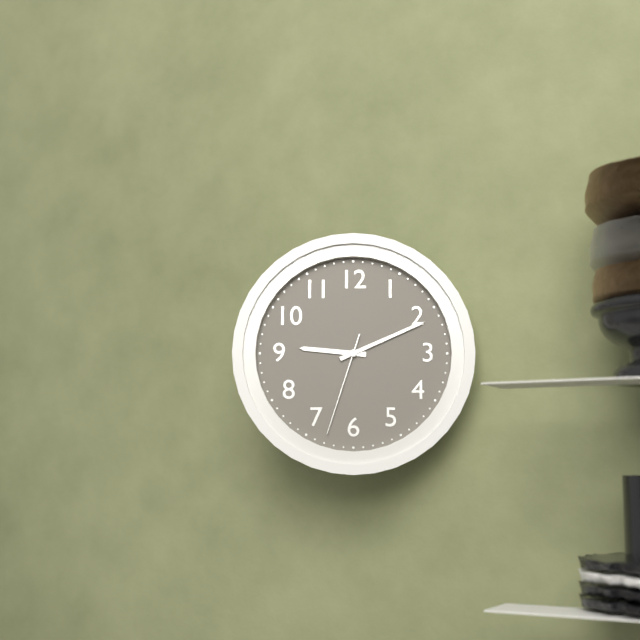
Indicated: 9,11,33
